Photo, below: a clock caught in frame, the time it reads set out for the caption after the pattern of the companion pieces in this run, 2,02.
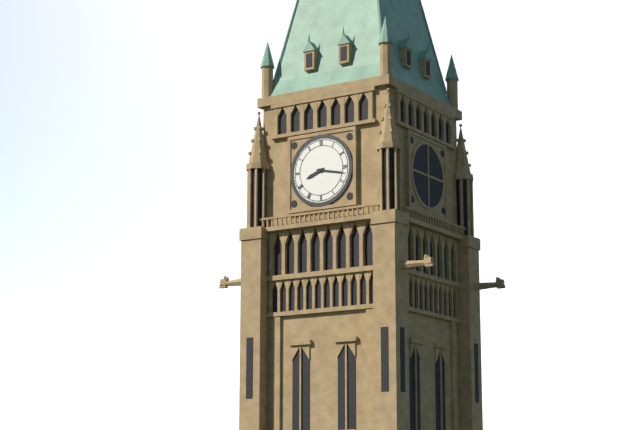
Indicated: 8,17
